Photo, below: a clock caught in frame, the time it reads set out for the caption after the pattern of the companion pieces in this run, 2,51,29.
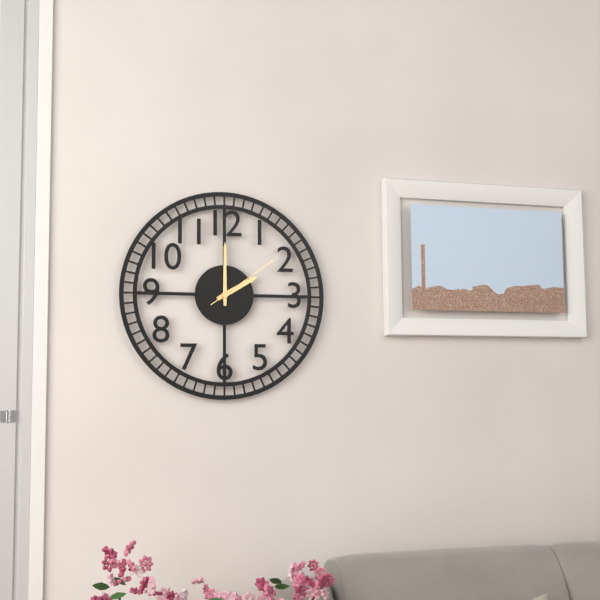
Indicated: 2,00,09
